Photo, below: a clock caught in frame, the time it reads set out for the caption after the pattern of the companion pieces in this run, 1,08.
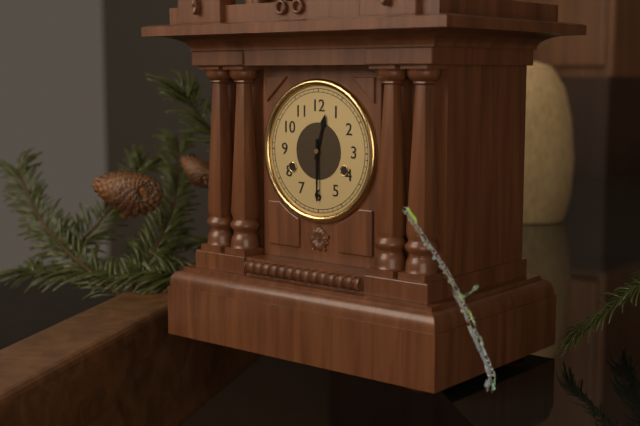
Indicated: 12,30
